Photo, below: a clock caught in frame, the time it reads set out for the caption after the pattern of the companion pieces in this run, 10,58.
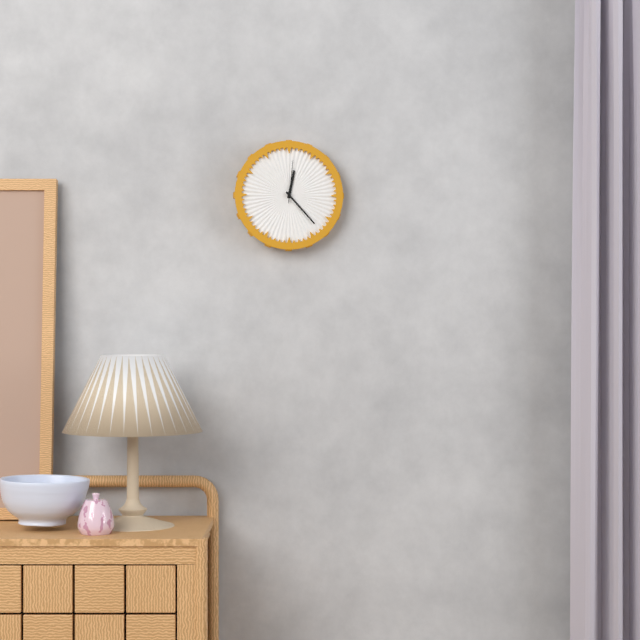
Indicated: 12,23
